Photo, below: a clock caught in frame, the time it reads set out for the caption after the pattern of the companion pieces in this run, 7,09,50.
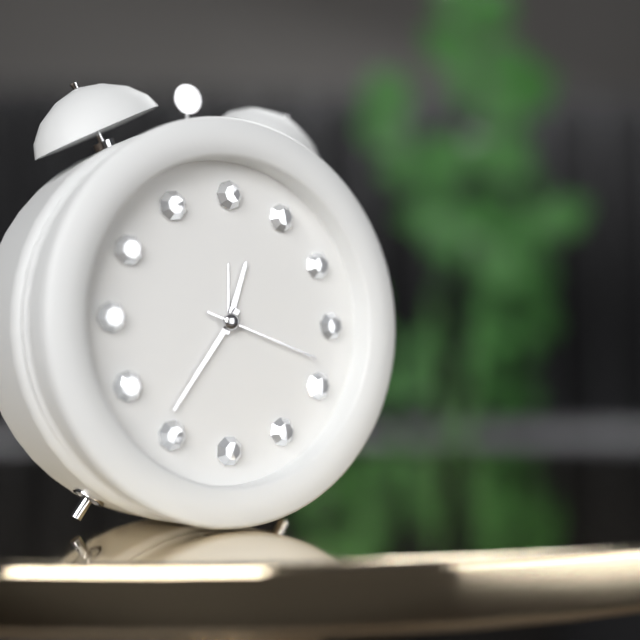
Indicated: 12,36,18
